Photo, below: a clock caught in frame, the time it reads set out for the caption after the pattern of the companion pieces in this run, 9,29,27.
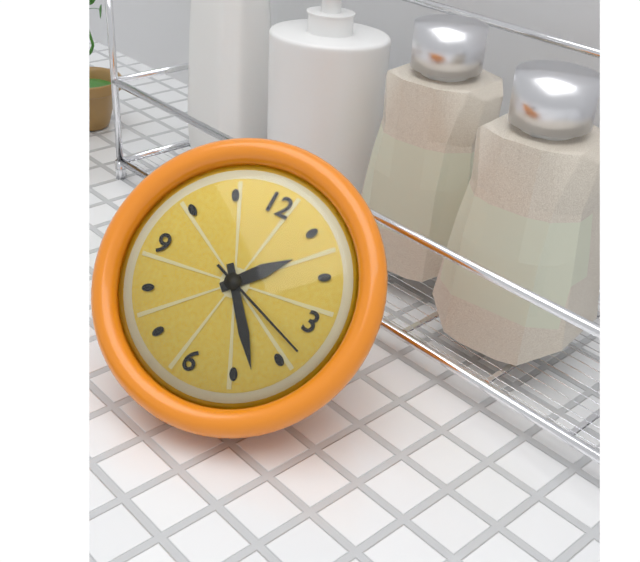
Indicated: 1,23,18
